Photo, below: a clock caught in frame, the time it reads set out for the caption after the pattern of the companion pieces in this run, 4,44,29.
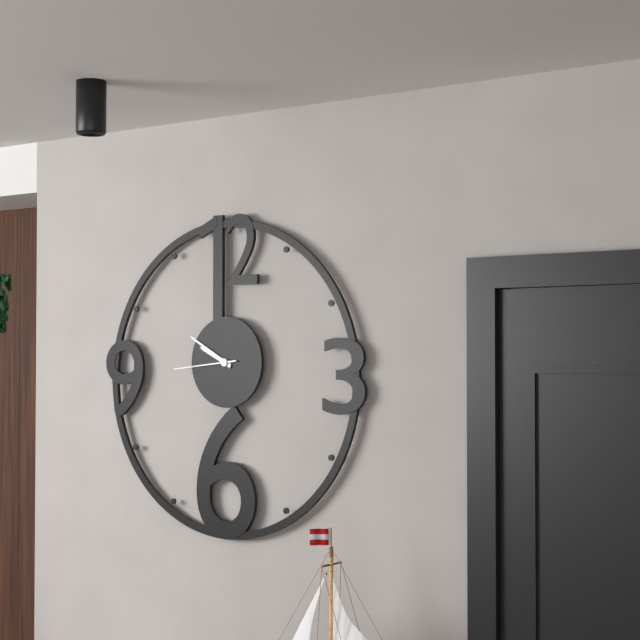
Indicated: 9,50,44
